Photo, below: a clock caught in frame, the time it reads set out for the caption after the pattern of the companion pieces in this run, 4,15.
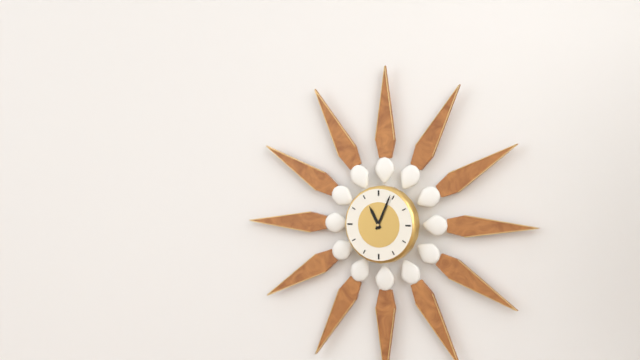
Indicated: 11,04
